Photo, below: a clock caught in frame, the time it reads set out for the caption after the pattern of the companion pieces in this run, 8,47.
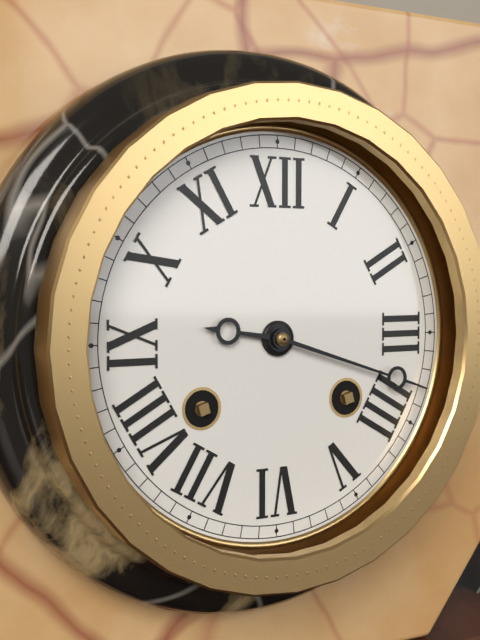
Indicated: 9,18
